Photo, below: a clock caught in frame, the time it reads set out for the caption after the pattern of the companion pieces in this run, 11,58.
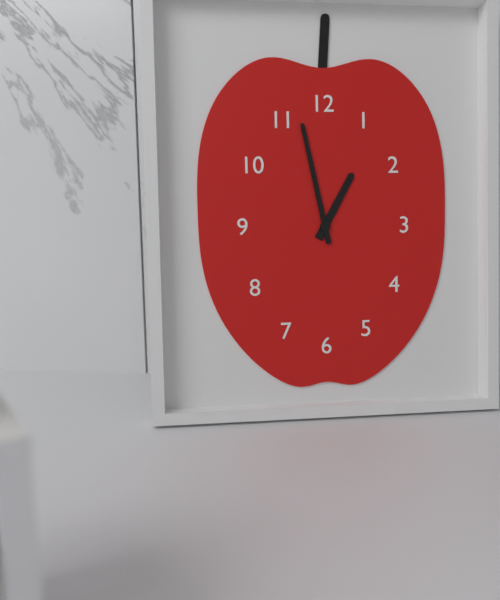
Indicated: 12,58
